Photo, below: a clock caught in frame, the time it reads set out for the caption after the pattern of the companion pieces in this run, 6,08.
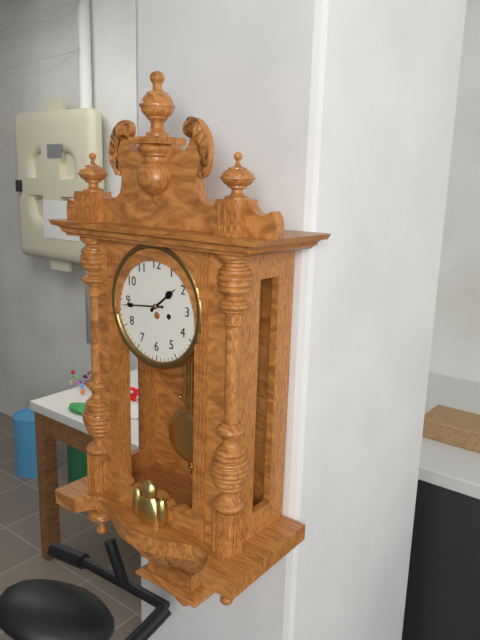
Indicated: 1,44
